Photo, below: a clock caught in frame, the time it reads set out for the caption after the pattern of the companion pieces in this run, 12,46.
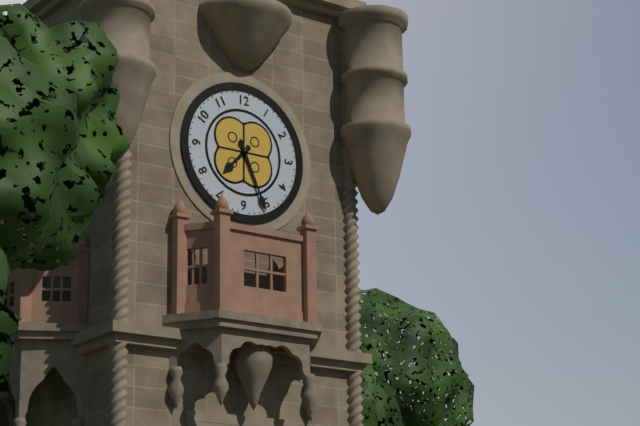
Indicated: 7,26
